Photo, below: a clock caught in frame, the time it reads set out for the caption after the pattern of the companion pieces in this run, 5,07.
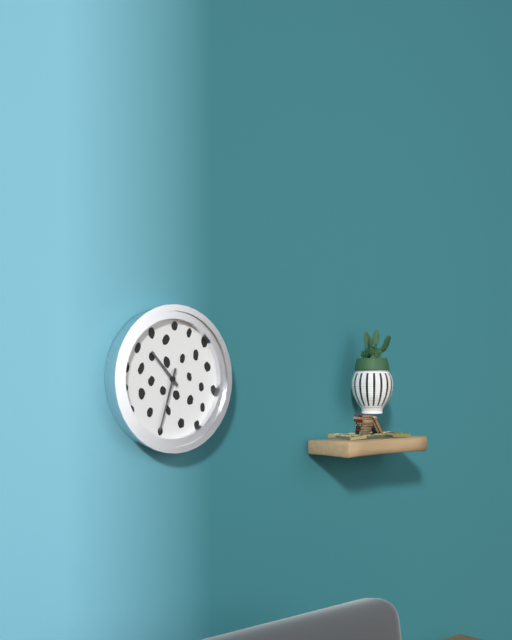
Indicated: 10,33
